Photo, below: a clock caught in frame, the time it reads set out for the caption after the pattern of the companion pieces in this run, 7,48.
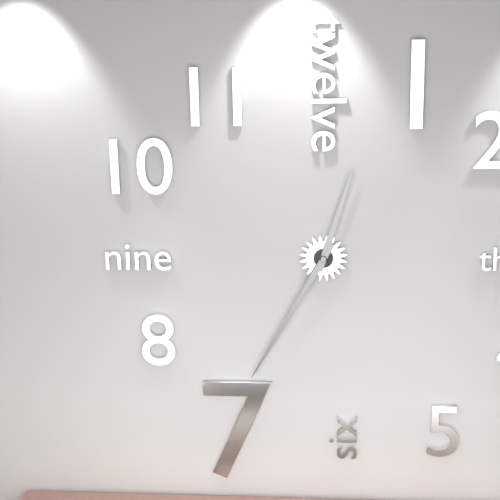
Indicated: 12,35
